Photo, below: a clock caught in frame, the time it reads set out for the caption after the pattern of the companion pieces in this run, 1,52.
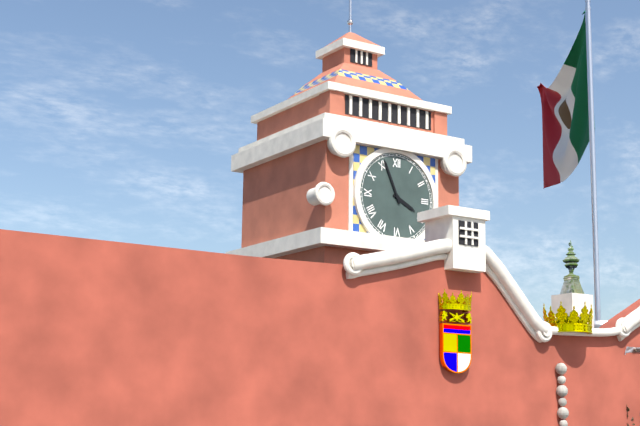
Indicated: 3,56
